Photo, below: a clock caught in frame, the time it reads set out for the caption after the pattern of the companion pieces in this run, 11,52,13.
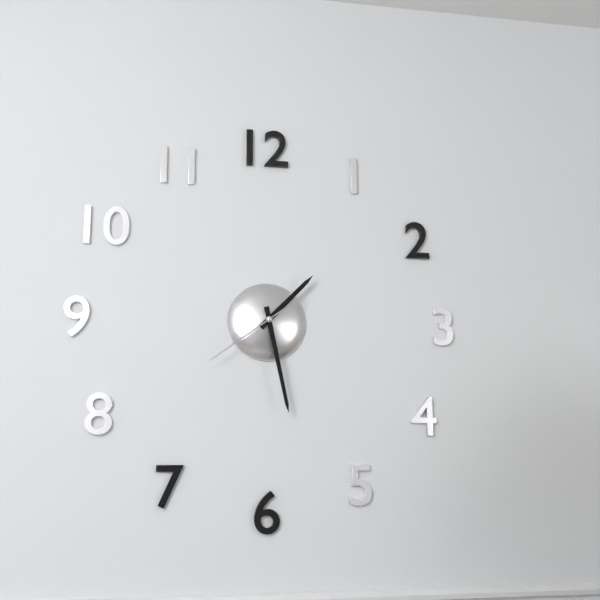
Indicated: 1,28,39
